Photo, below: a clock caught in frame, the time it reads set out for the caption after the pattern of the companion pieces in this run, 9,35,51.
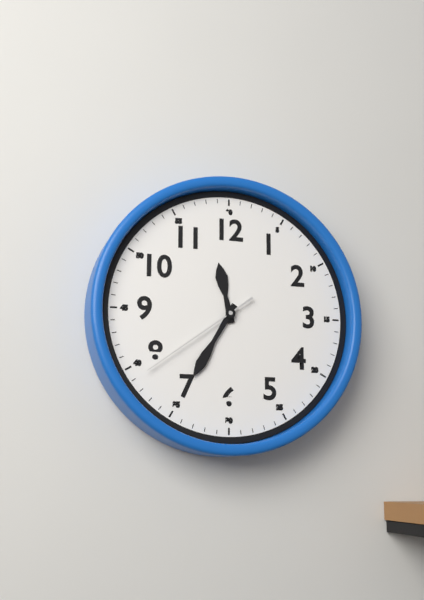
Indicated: 11,35,39
